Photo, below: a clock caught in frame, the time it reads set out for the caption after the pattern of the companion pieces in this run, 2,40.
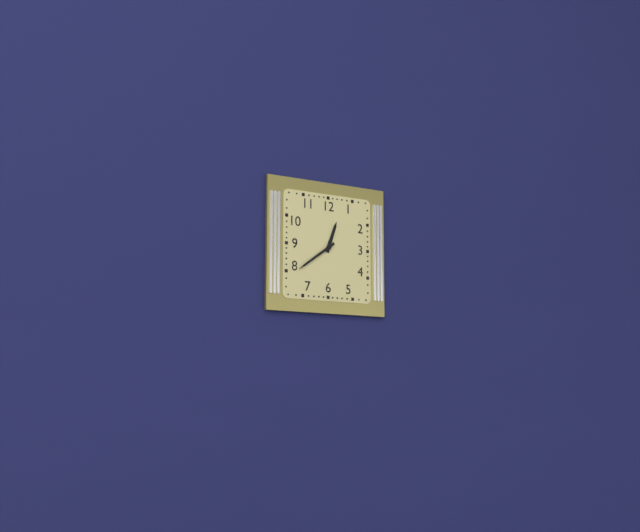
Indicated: 12,39
